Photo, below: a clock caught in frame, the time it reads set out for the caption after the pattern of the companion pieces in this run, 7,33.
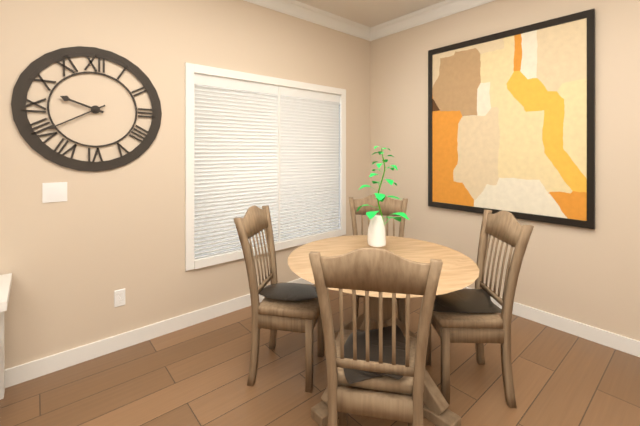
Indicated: 9,40
